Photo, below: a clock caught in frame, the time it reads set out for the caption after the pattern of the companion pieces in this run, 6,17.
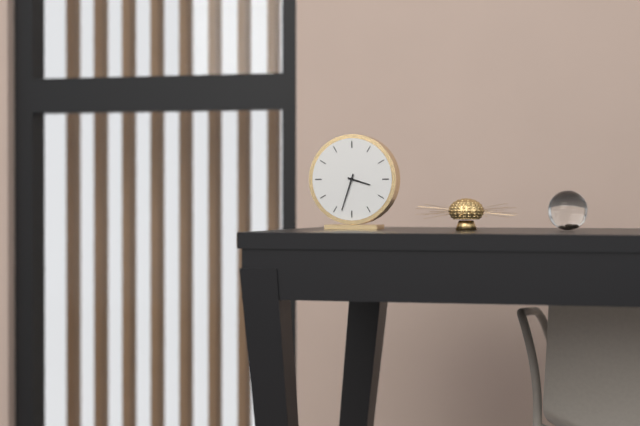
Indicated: 3,33
